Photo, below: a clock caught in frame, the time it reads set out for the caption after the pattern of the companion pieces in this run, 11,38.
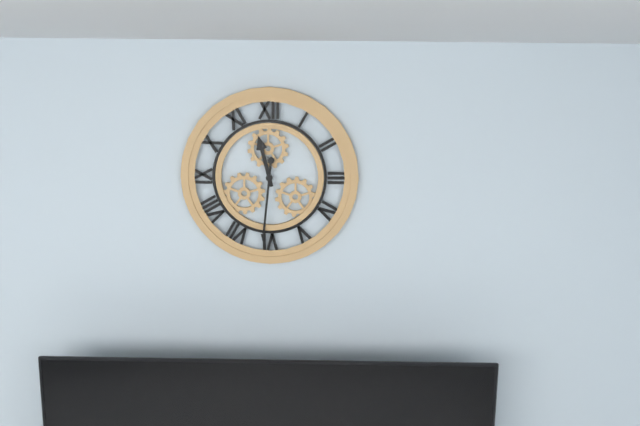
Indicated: 11,31
